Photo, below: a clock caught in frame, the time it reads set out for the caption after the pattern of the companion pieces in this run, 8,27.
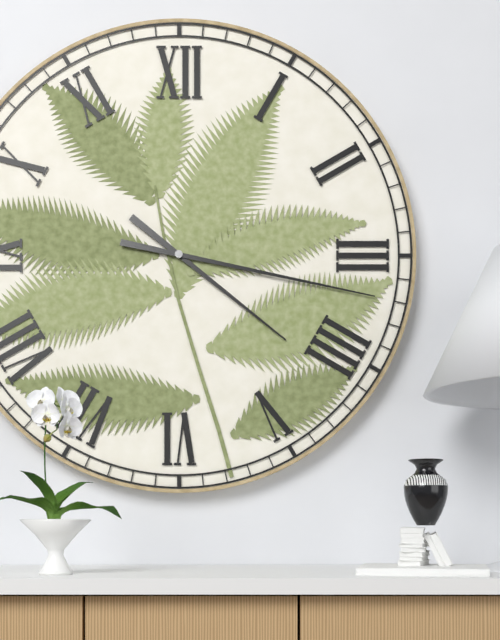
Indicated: 4,17
